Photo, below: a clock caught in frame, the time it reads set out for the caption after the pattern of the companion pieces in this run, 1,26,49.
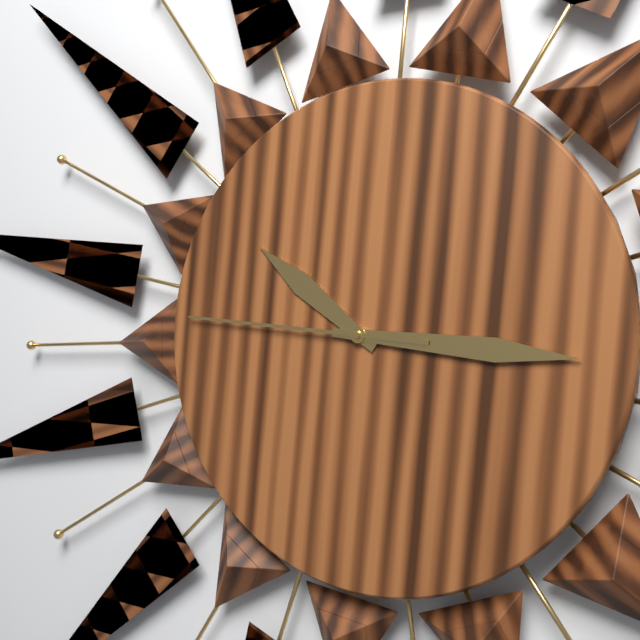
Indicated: 10,16,46
